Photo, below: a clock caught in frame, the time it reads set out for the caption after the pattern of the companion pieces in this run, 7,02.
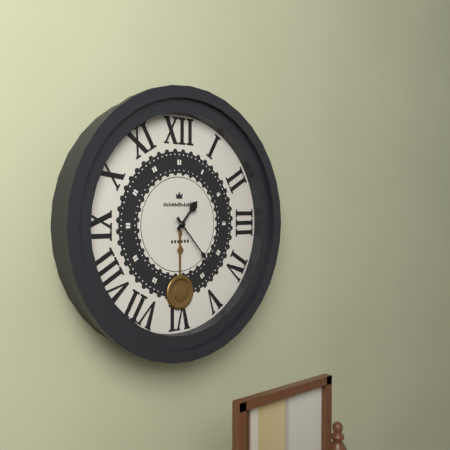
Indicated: 1,23
